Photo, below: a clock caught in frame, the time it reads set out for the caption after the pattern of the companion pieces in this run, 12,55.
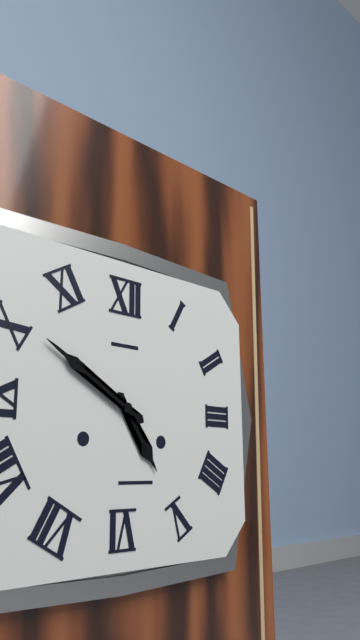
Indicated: 4,50
